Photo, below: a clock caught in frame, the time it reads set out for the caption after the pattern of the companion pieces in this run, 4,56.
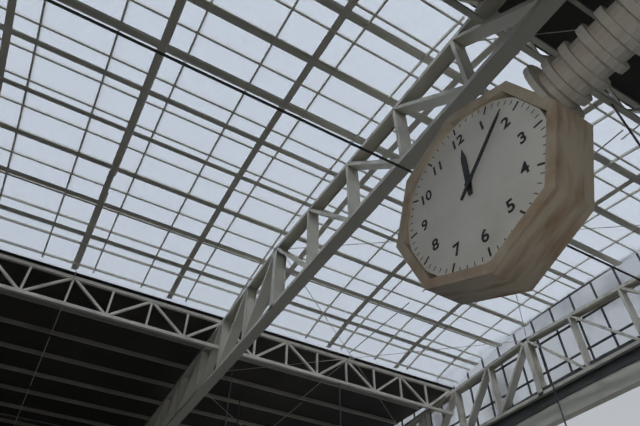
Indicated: 12,08
